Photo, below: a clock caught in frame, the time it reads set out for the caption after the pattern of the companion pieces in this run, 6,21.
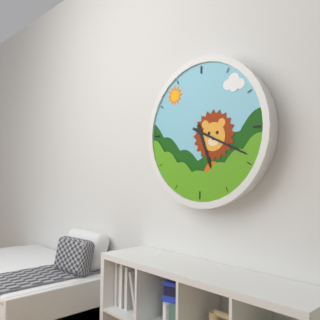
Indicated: 5,19
